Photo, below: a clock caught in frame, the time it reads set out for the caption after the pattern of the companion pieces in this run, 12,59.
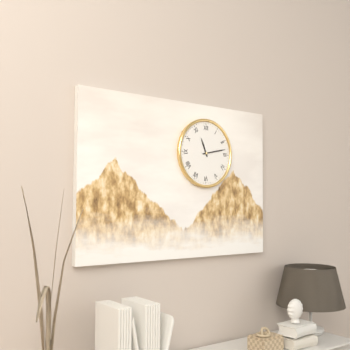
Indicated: 11,13
